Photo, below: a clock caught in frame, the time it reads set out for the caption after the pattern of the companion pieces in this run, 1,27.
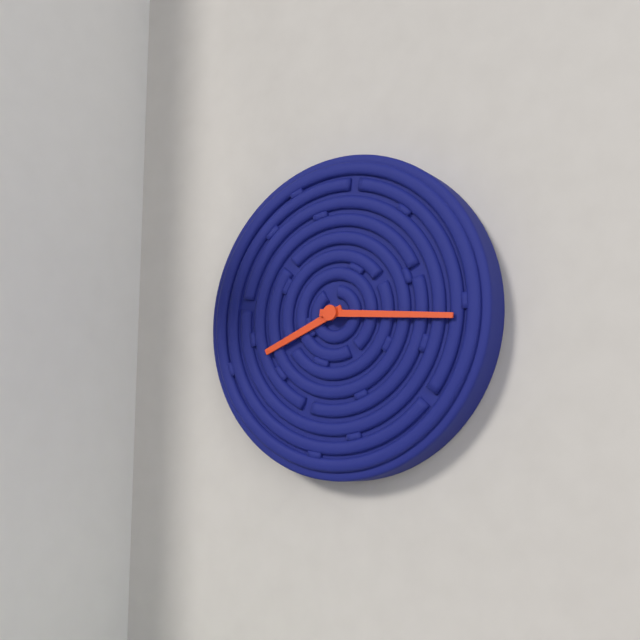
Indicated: 8,16
